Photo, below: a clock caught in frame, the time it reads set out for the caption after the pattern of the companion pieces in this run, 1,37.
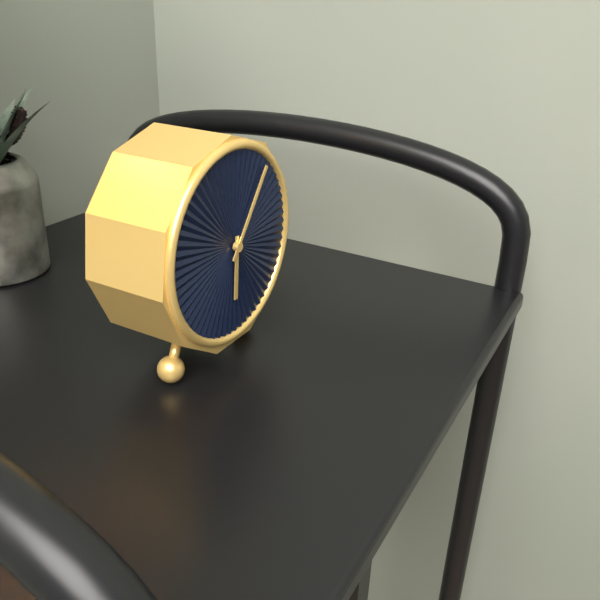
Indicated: 6,06
